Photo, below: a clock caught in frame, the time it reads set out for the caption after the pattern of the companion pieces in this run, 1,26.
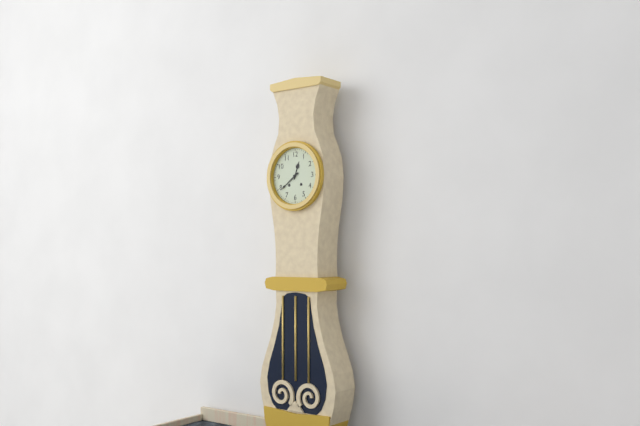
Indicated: 12,39
